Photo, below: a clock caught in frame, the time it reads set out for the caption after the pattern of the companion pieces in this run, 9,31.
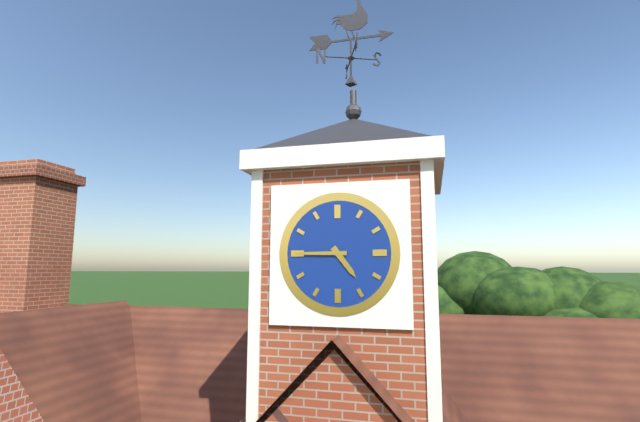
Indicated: 4,45
